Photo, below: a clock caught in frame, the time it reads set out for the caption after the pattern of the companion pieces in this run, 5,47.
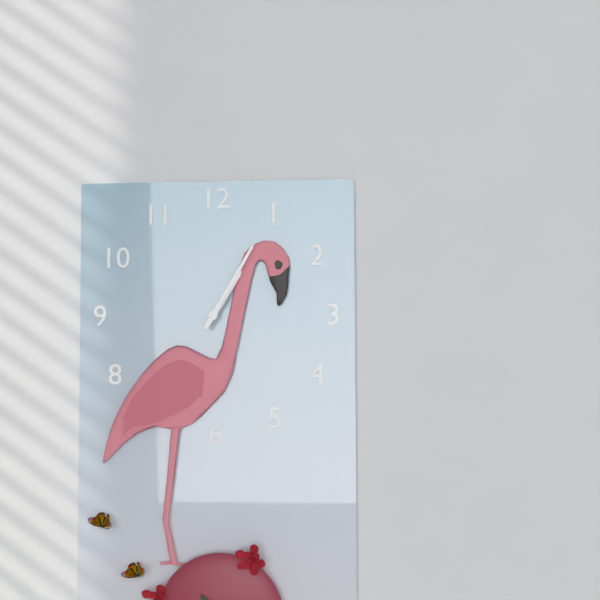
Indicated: 1,05
